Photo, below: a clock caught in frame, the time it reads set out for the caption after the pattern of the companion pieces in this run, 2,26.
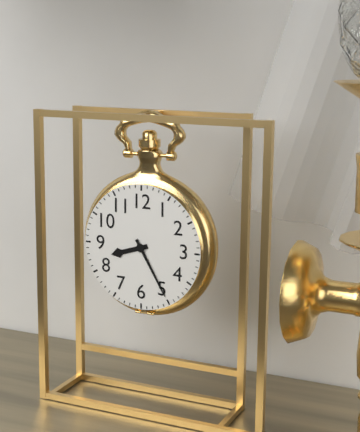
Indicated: 8,25
